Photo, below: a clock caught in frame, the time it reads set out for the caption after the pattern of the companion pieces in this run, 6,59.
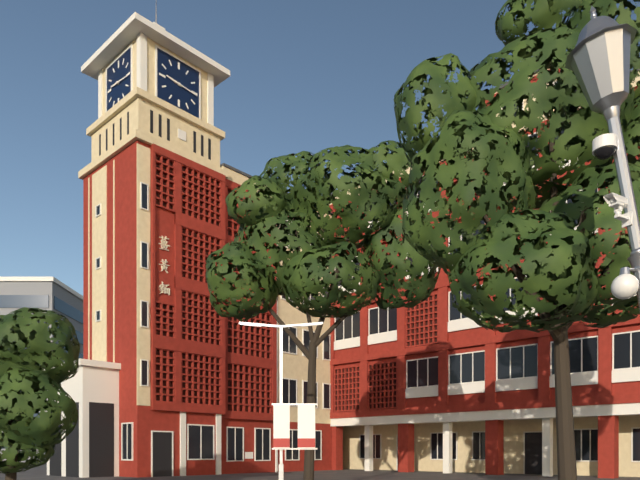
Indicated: 9,16
